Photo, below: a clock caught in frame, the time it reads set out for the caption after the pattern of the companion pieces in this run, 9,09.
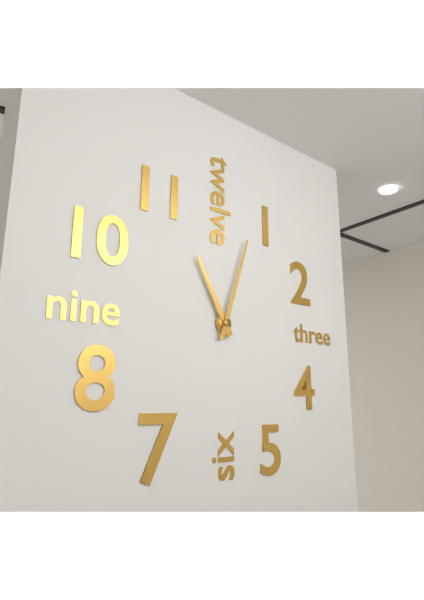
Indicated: 11,03
